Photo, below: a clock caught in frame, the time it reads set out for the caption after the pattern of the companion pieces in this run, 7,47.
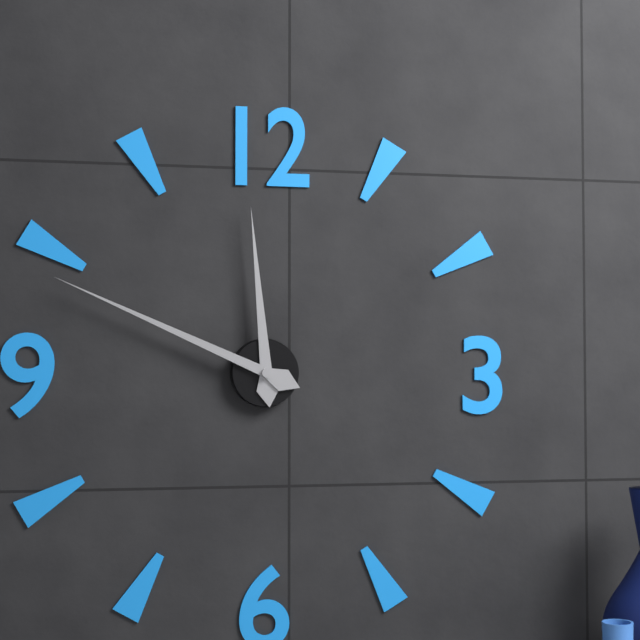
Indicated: 11,49
